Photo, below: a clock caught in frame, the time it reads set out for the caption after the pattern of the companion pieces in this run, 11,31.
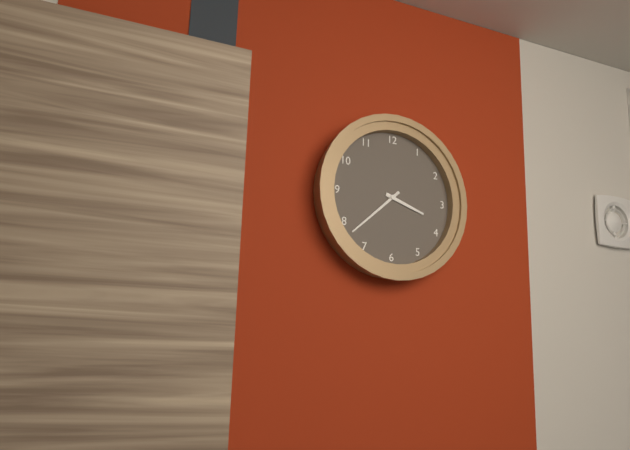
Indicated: 3,38
